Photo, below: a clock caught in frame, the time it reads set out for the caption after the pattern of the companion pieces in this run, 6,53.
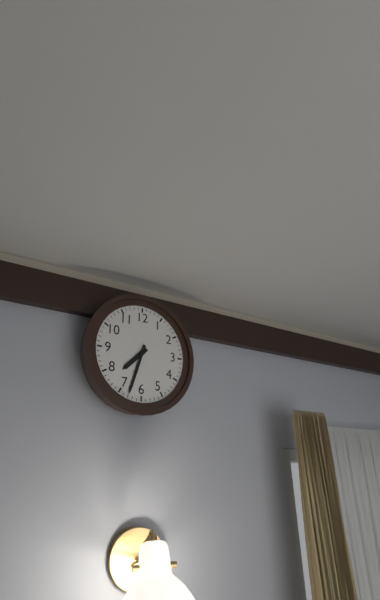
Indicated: 7,33
